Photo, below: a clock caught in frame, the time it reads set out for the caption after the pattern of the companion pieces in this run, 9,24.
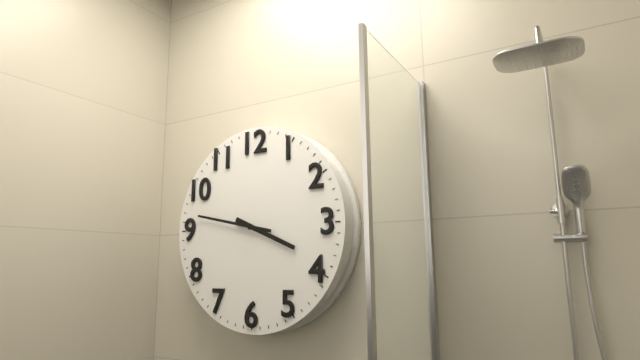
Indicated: 3,47
